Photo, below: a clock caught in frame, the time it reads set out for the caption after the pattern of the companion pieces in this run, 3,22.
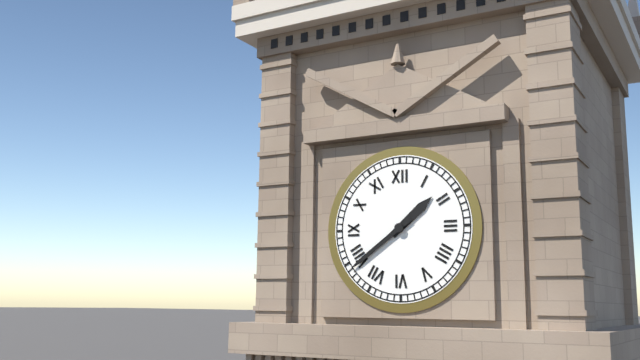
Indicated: 1,39
